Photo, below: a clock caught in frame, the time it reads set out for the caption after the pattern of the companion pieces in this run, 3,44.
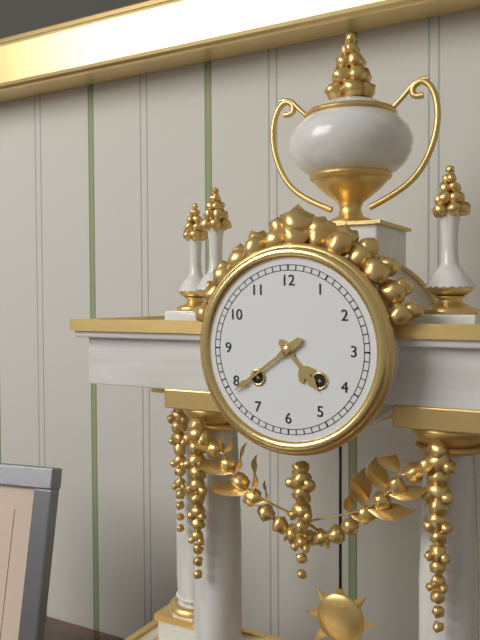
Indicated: 4,39
